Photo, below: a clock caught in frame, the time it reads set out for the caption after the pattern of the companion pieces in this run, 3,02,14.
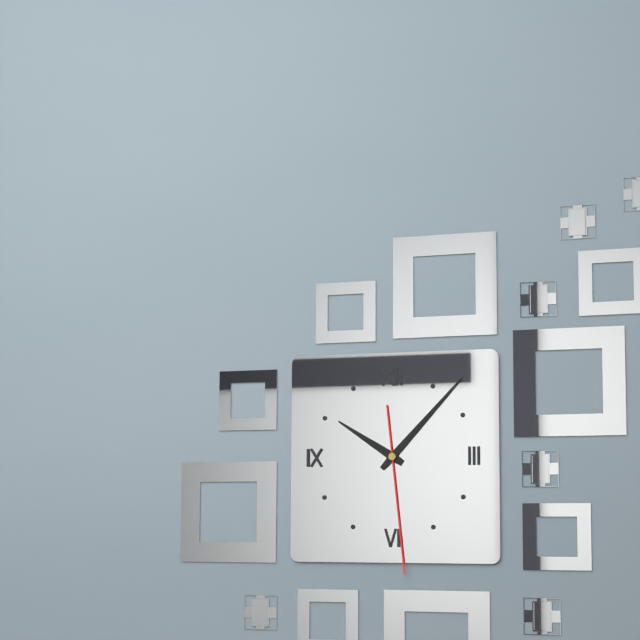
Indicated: 10,07,29
